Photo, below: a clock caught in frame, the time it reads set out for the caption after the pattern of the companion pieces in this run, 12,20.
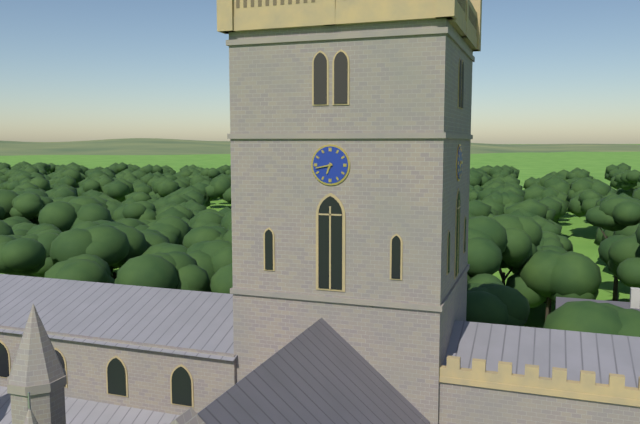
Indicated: 6,43
